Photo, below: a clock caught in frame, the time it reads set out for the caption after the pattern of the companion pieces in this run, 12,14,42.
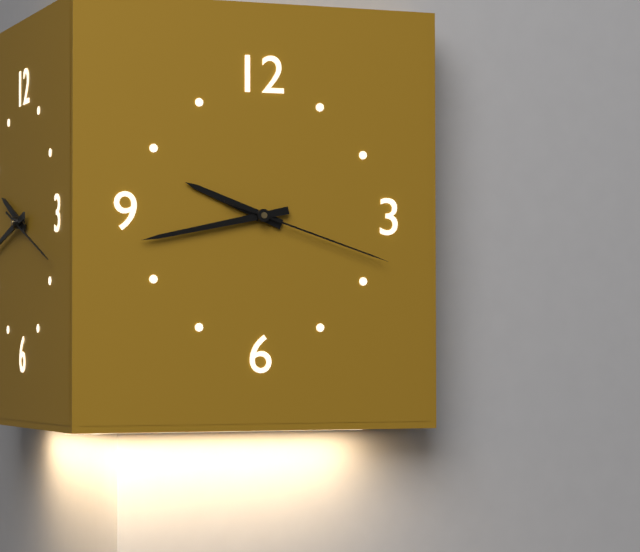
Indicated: 9,43,18
